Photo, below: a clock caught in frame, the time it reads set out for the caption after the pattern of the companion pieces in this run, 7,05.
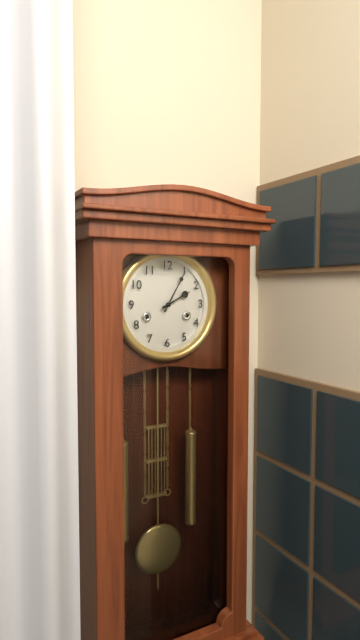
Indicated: 2,05
